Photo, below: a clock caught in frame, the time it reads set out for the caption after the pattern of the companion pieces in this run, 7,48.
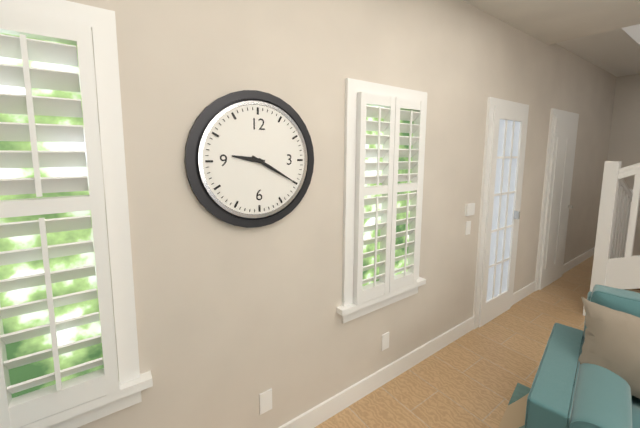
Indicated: 9,20
